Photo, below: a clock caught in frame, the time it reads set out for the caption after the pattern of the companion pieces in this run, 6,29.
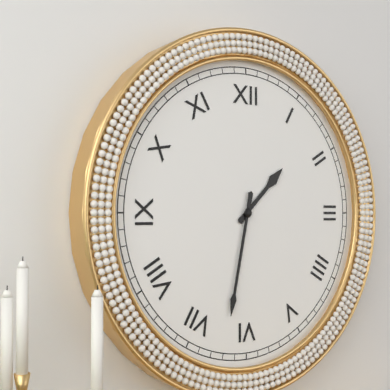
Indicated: 1,32
